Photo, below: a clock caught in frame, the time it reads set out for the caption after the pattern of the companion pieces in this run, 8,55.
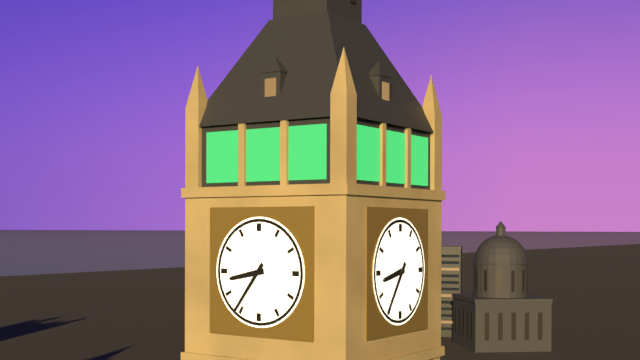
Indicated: 8,36
